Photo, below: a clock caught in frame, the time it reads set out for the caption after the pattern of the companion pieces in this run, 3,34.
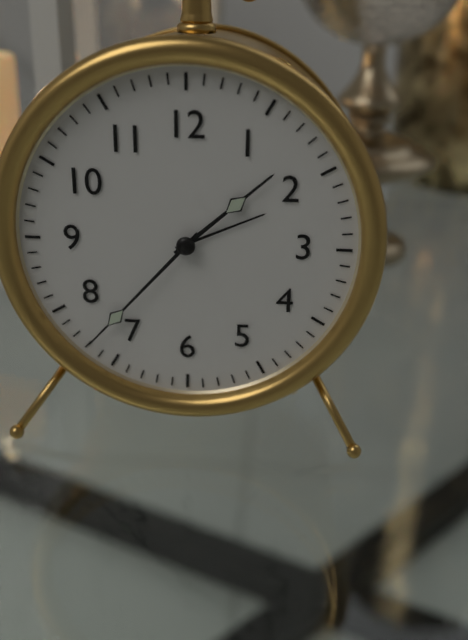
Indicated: 1,37
